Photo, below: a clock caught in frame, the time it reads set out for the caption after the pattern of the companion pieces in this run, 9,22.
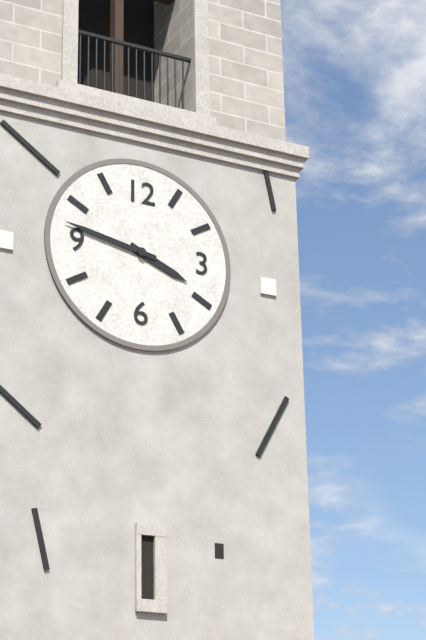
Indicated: 3,47
